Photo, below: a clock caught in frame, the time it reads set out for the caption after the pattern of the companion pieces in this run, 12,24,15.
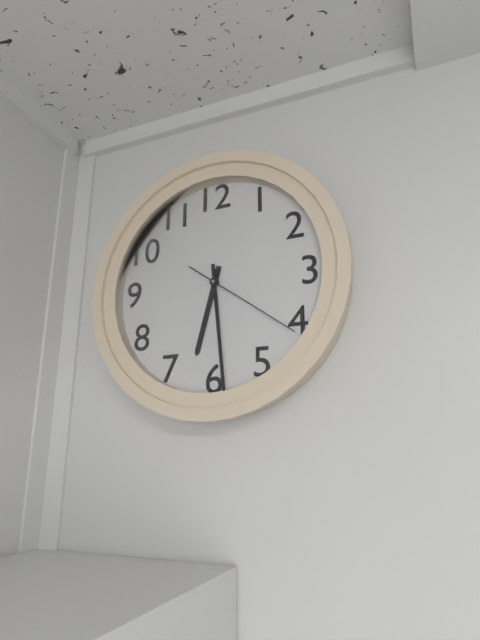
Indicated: 6,29,21
